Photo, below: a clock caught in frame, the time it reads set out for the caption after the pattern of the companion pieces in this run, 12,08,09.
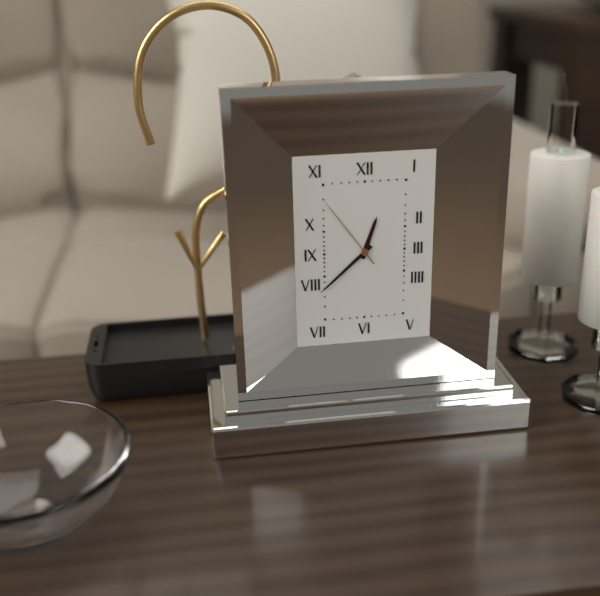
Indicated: 12,38,54
